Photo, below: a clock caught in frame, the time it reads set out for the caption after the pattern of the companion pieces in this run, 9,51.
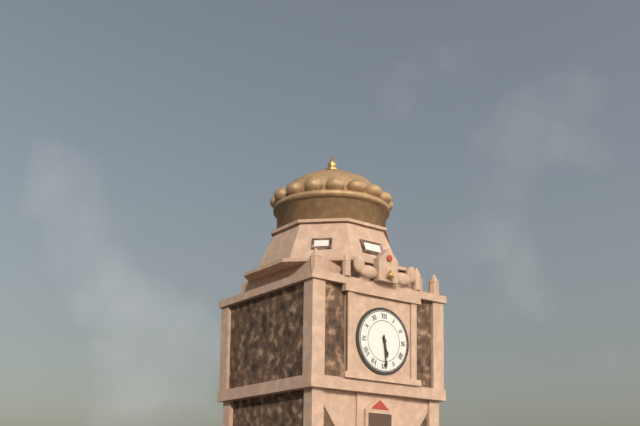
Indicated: 5,29
